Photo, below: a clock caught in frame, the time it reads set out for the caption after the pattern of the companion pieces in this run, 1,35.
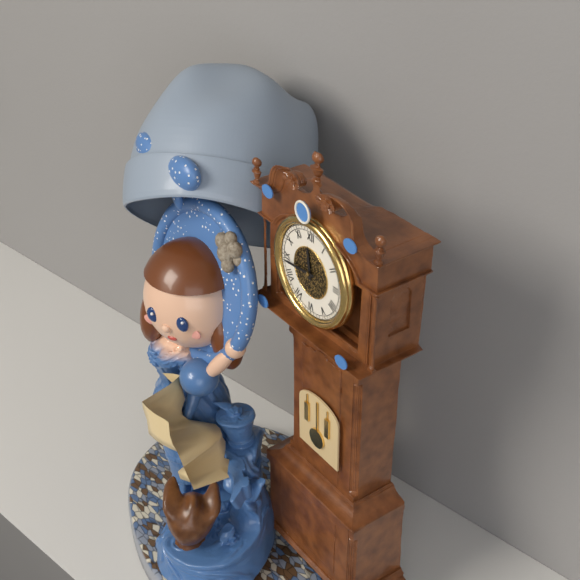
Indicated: 11,44
